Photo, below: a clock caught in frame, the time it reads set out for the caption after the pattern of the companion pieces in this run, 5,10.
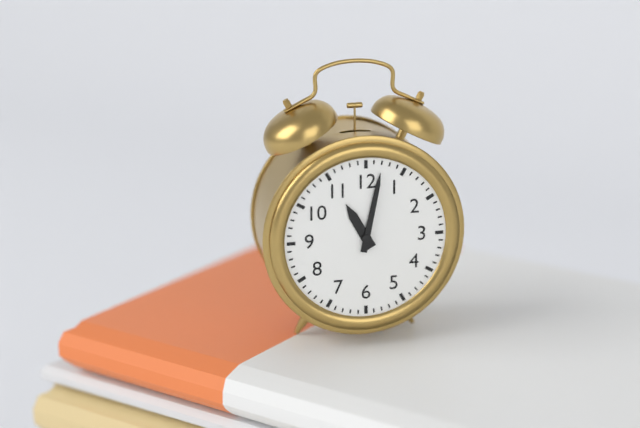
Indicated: 11,02
